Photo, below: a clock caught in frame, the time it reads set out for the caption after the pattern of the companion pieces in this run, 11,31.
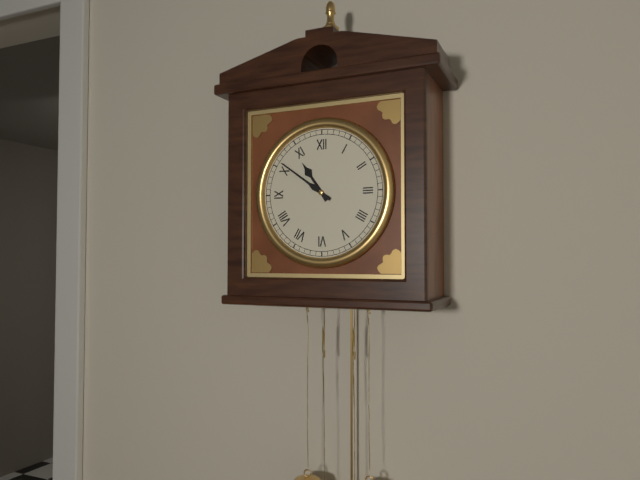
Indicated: 10,51
